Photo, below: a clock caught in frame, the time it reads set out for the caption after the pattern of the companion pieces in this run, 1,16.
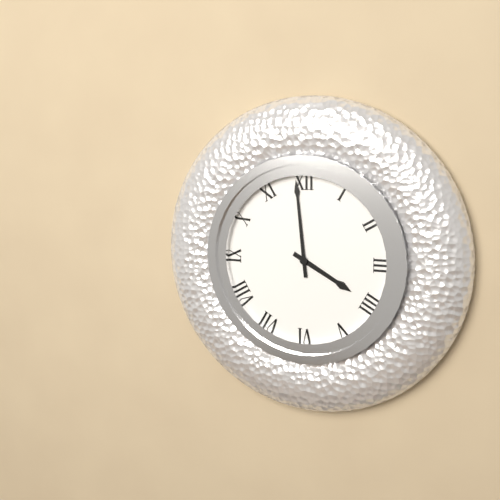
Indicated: 3,59
